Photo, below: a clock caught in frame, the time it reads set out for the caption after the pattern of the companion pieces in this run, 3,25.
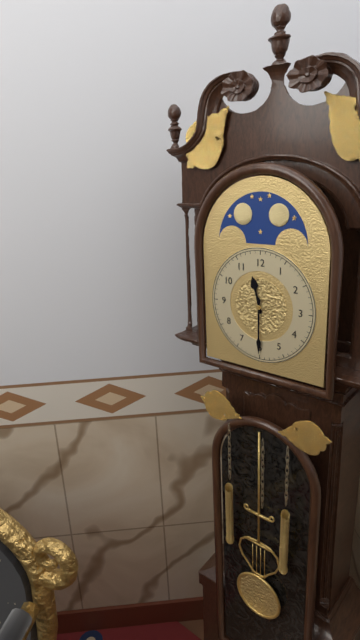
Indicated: 11,30
